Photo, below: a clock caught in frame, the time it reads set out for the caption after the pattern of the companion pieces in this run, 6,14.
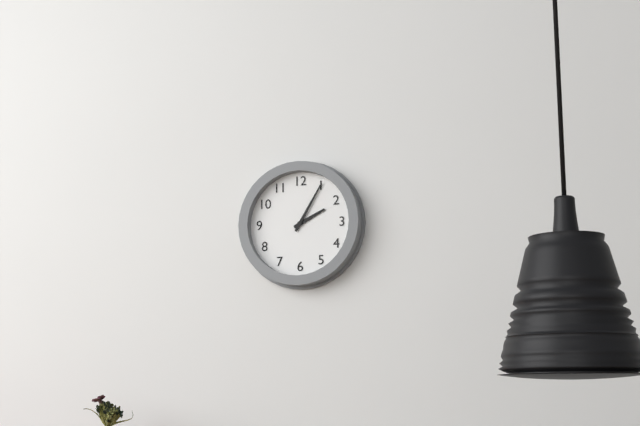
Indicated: 2,05
